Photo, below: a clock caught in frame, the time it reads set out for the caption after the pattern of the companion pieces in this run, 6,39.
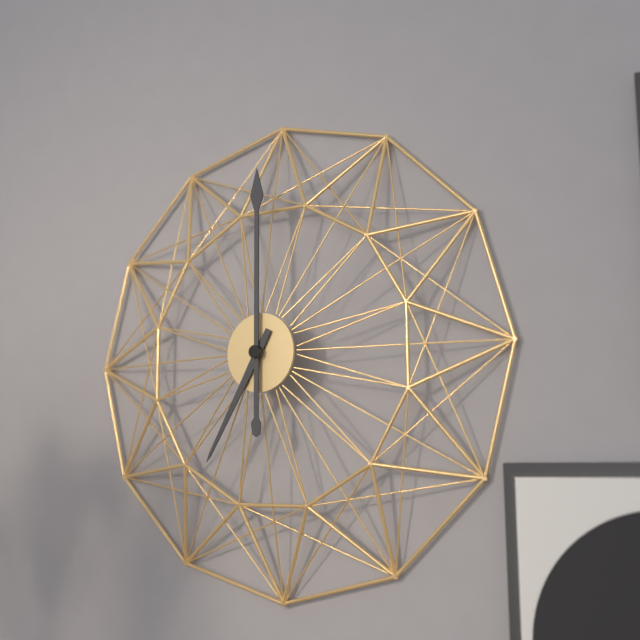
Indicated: 7,00
